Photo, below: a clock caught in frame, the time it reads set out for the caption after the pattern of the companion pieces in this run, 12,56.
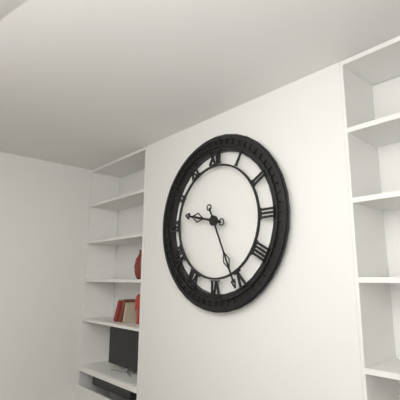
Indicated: 9,26
